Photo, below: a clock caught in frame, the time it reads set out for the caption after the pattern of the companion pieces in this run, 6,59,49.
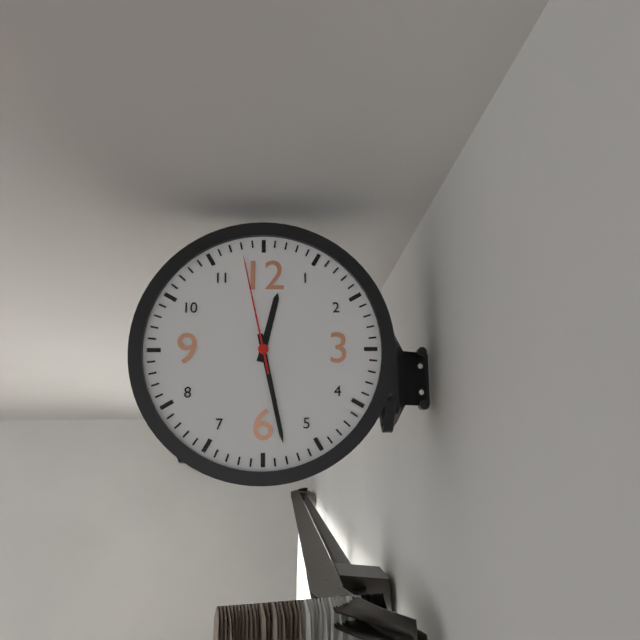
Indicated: 12,28,58
